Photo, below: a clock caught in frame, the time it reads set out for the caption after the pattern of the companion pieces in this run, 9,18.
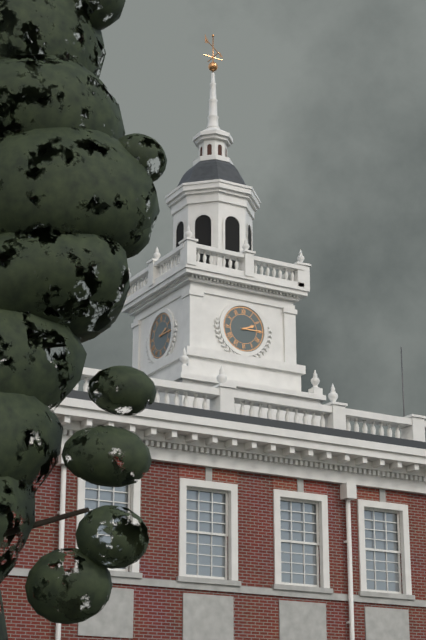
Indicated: 2,15
